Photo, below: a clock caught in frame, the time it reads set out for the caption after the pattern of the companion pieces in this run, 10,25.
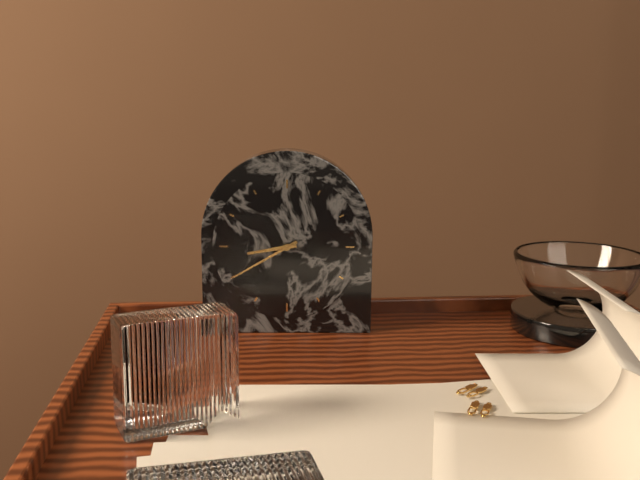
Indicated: 8,40
